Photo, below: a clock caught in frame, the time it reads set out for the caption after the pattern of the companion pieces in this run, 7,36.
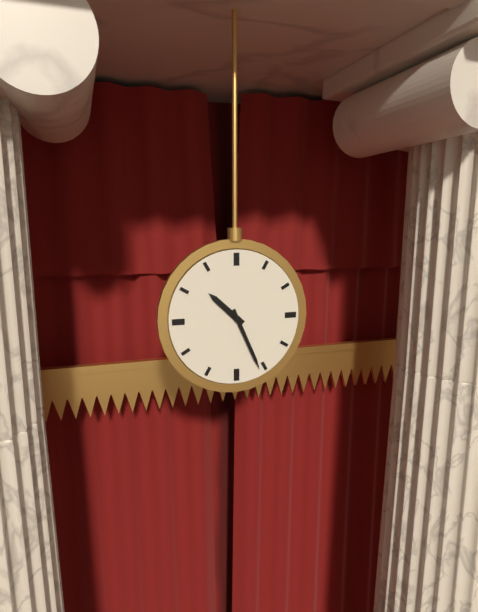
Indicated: 10,26
